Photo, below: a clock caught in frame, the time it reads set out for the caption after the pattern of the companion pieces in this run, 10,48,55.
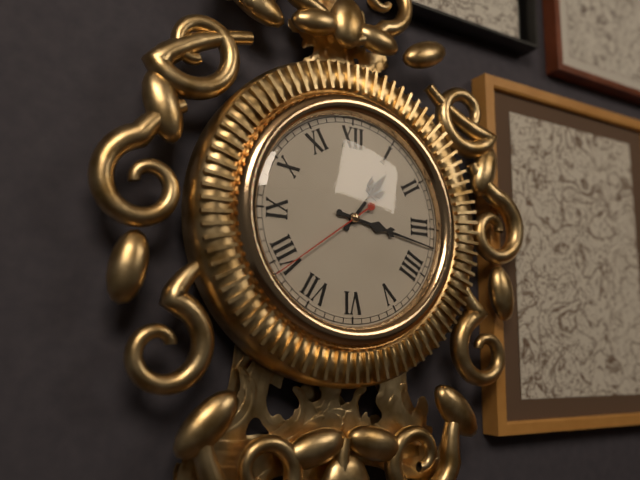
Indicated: 1,17,39
